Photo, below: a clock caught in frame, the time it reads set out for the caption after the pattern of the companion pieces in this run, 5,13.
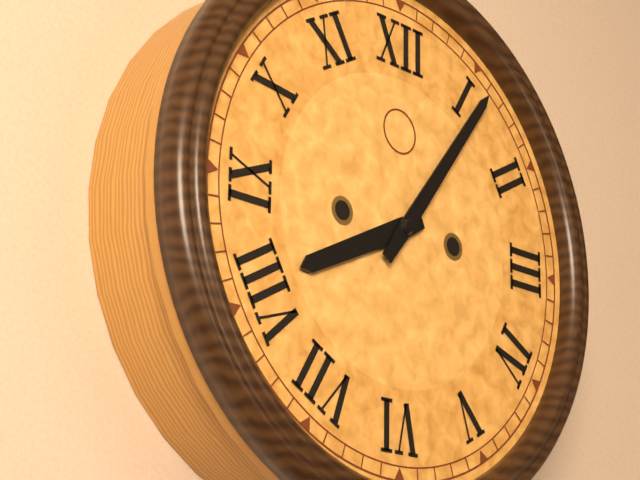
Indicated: 8,06
